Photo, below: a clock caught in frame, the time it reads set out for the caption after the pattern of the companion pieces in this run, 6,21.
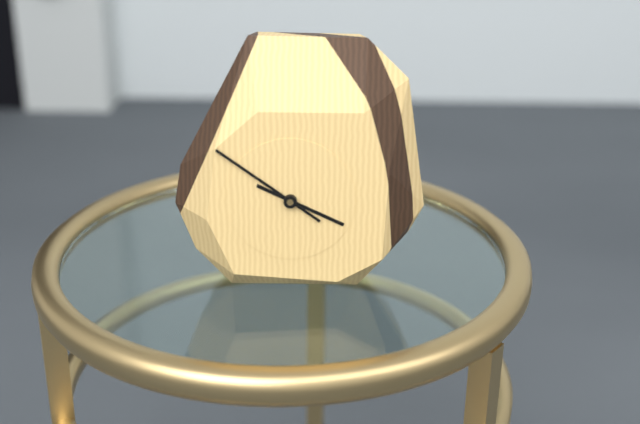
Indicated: 3,51
